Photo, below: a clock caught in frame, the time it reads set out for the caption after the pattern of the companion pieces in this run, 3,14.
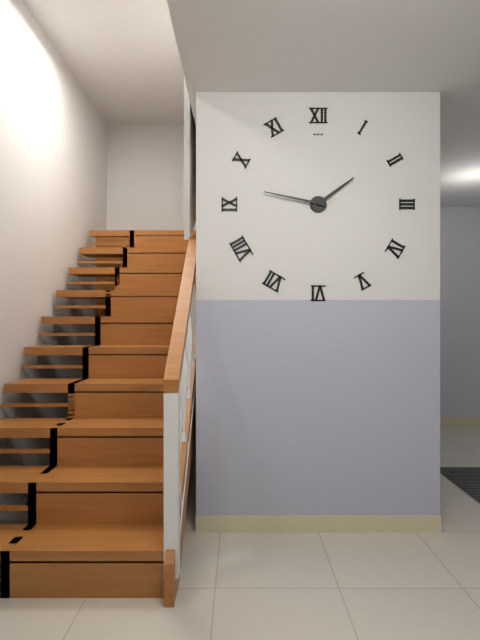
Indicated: 1,47
